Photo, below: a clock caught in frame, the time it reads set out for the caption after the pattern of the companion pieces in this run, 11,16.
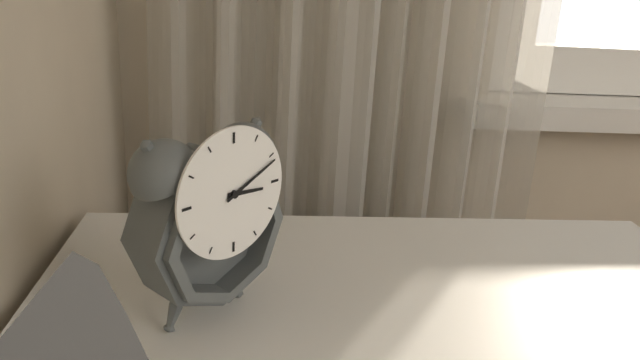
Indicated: 3,11
